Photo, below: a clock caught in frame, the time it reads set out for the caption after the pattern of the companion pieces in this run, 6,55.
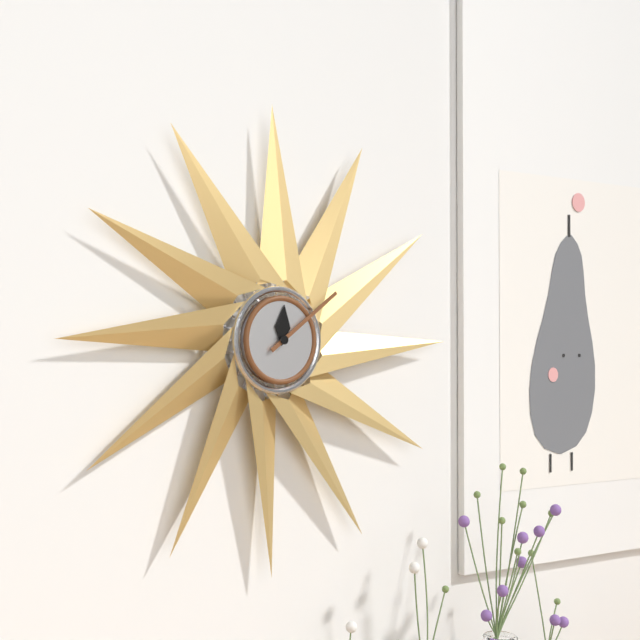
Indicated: 12,09
